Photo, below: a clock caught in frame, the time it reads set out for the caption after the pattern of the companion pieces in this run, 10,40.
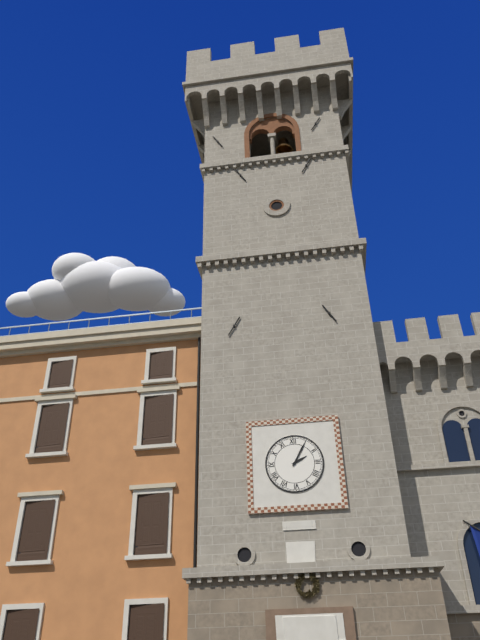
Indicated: 2,05
